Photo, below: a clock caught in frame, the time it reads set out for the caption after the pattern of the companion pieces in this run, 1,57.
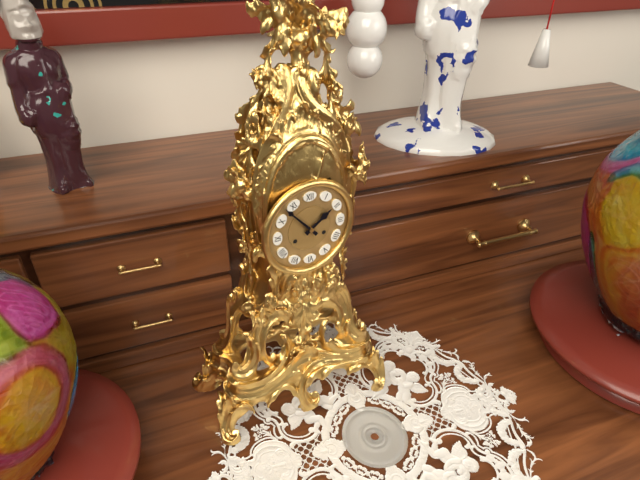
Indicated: 1,53
